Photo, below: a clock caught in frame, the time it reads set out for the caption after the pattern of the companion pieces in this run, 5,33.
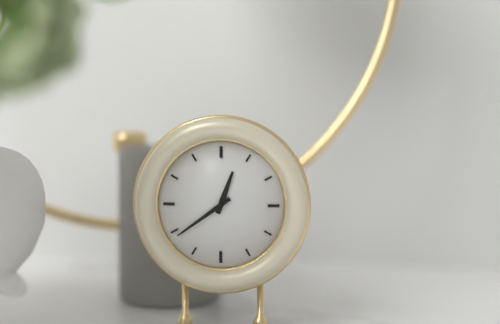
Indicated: 12,39
